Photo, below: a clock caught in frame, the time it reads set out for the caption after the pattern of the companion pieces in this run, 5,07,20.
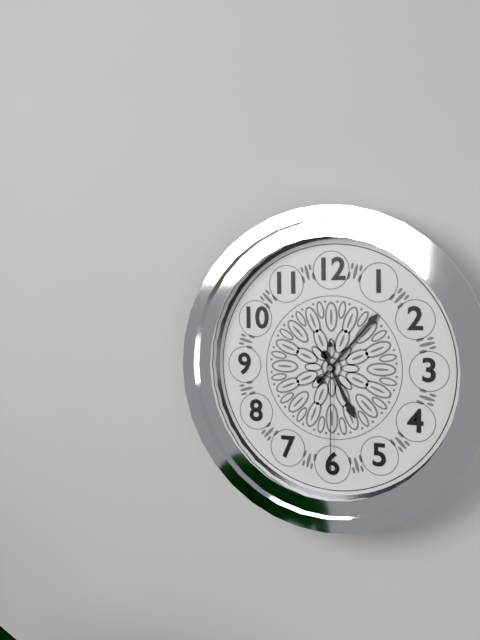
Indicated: 5,07,30
